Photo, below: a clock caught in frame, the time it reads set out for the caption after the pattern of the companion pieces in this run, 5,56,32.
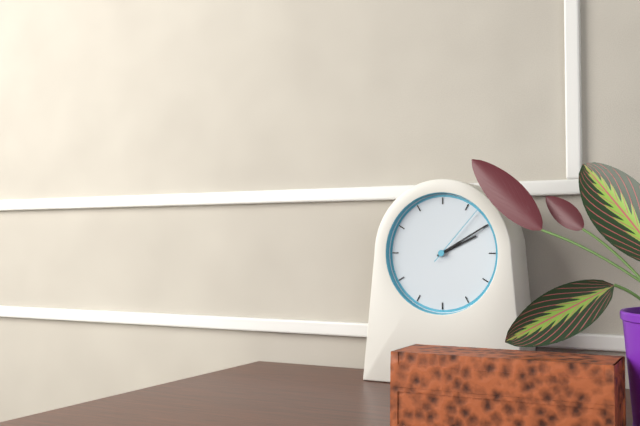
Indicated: 2,10,07
